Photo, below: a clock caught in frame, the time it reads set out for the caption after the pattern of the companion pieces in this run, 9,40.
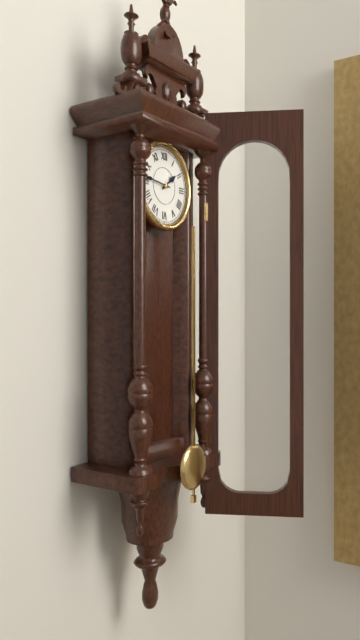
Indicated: 1,46
